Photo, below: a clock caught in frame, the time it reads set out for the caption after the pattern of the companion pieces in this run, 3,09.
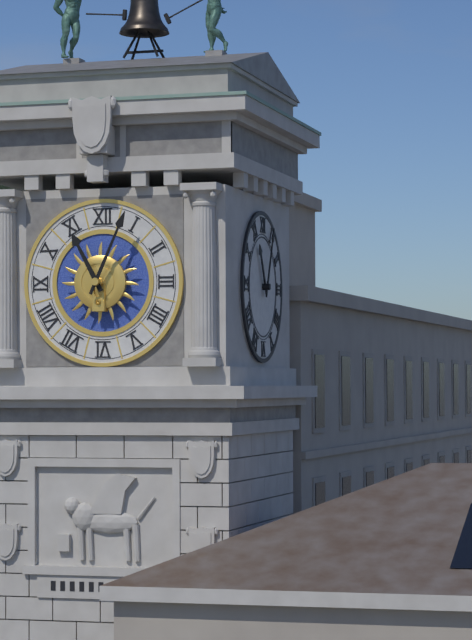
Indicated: 11,04
